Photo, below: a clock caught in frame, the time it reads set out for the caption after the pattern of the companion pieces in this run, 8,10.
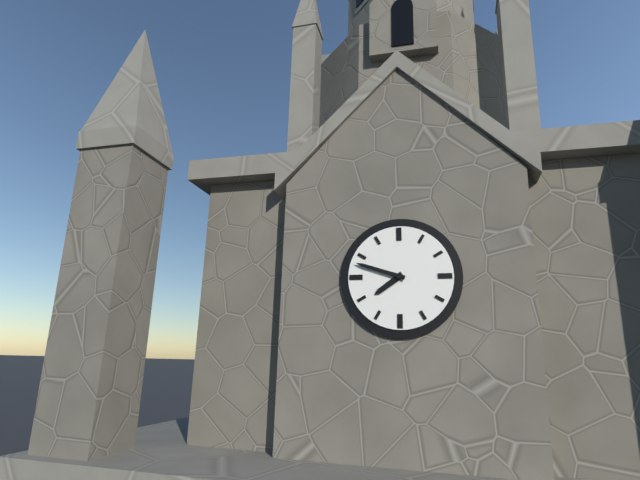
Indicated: 7,48
